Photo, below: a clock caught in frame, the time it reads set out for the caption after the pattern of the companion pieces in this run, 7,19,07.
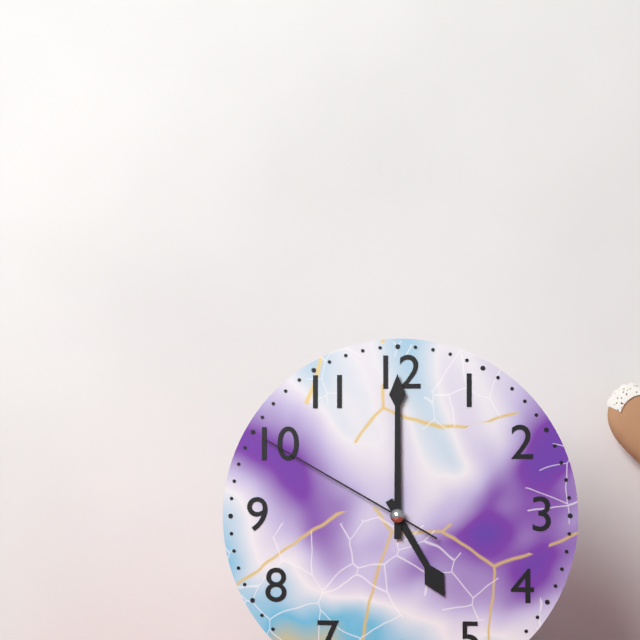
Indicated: 5,00,50
